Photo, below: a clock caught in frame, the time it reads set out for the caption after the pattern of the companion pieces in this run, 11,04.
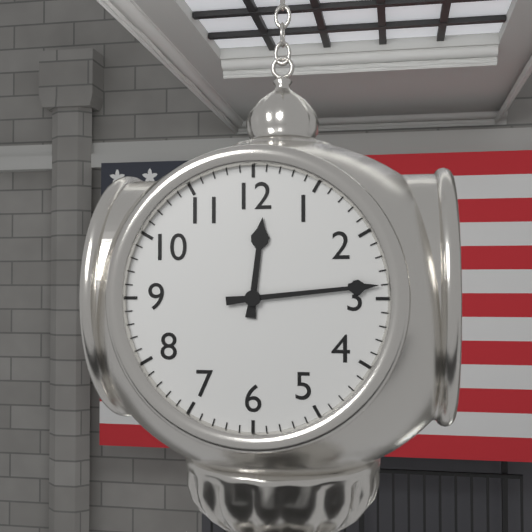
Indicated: 12,14
